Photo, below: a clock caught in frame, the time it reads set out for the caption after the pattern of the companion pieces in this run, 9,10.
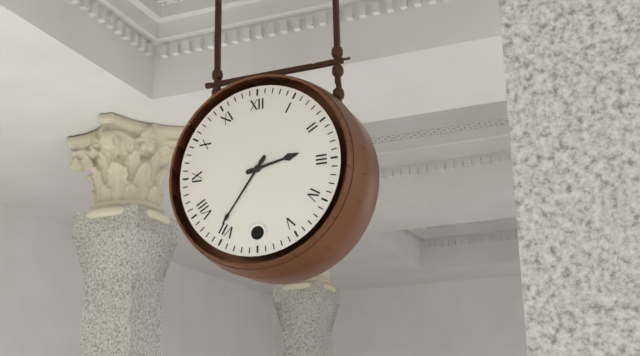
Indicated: 2,36
